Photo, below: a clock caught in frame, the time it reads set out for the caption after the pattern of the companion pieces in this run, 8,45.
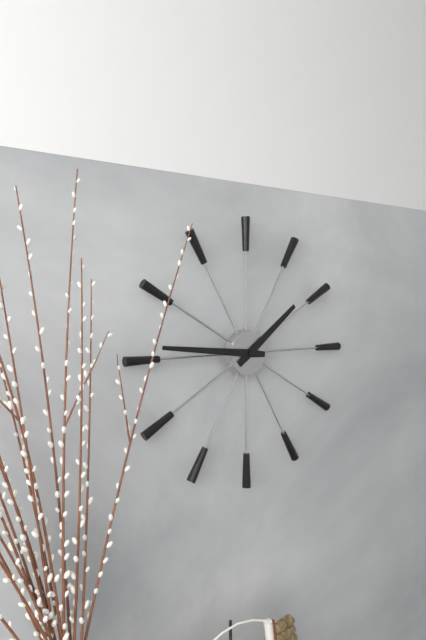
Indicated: 1,46
